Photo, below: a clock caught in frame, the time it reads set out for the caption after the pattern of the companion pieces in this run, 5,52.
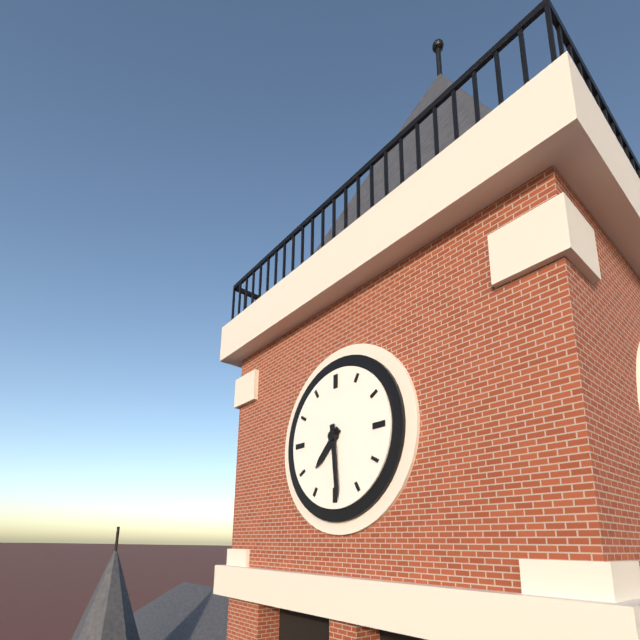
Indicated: 7,29
